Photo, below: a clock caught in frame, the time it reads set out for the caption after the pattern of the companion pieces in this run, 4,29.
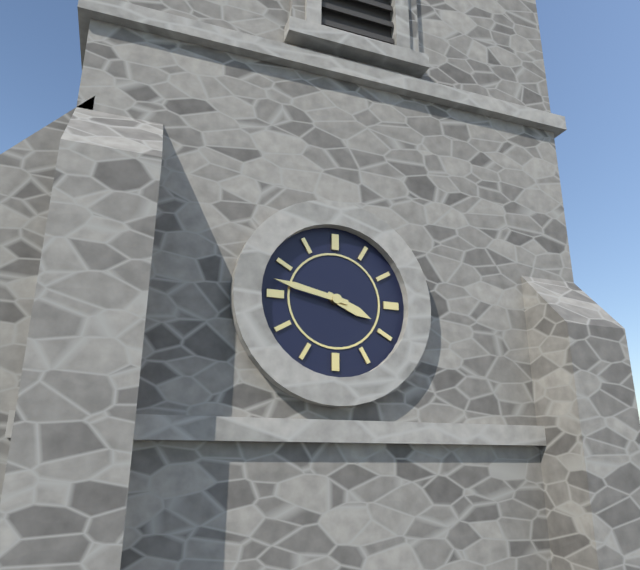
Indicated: 3,47
